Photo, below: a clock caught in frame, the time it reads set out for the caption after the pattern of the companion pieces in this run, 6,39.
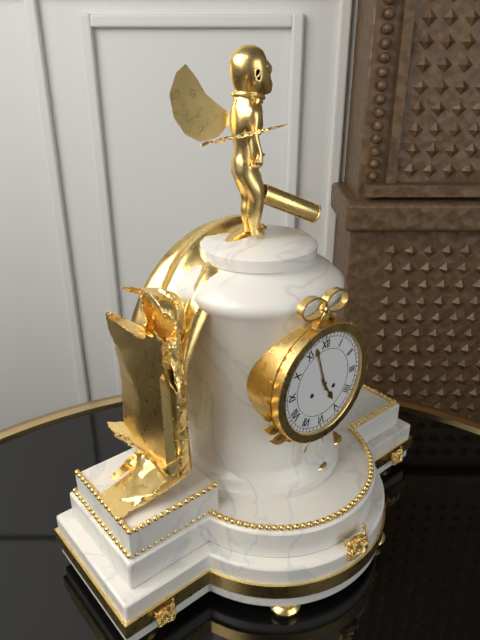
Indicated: 4,57
